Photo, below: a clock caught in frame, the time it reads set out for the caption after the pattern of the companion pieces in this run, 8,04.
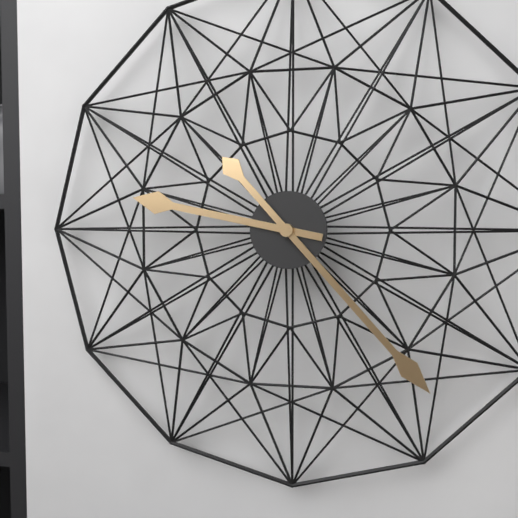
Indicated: 9,23
